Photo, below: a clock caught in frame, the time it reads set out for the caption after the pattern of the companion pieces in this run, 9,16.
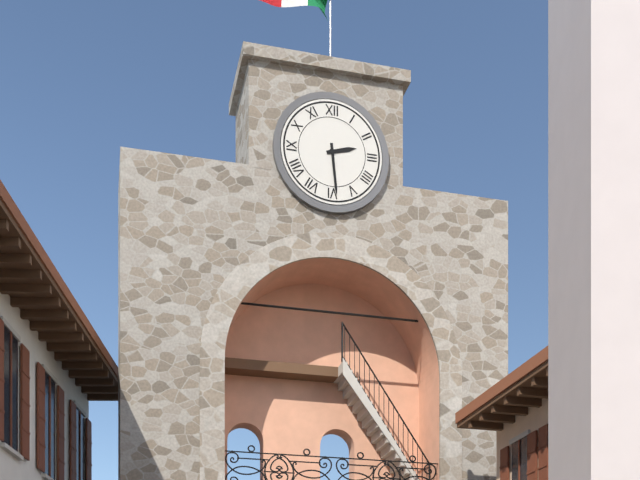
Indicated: 2,29
